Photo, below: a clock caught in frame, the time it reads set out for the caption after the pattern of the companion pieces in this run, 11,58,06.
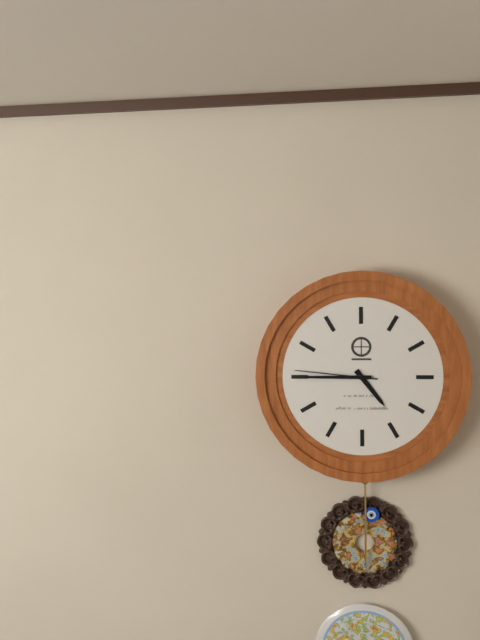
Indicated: 4,45,46
